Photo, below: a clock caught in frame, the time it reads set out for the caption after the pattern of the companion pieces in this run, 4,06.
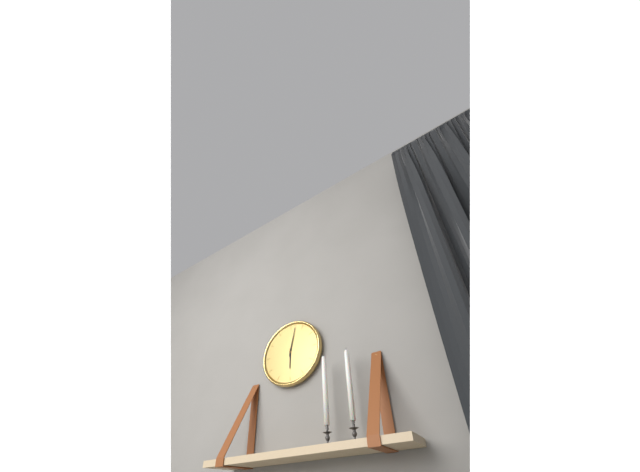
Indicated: 6,02
